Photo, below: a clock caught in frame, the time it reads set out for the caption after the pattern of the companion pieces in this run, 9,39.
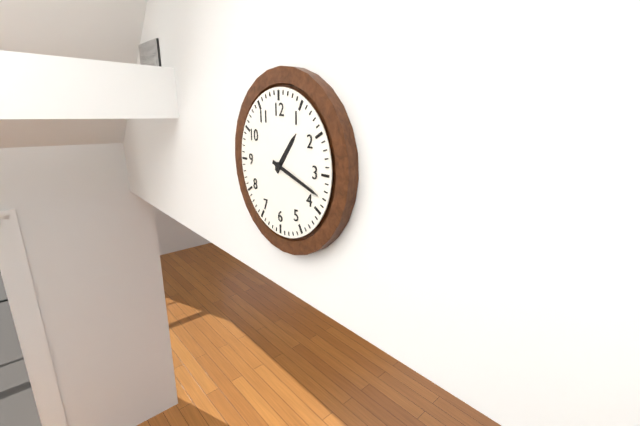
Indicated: 1,18
